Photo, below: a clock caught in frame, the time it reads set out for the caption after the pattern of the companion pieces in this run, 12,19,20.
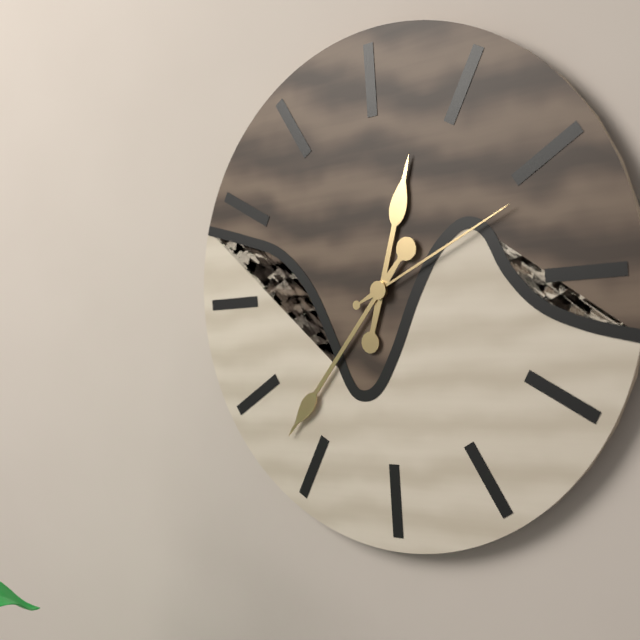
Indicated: 12,37,11
